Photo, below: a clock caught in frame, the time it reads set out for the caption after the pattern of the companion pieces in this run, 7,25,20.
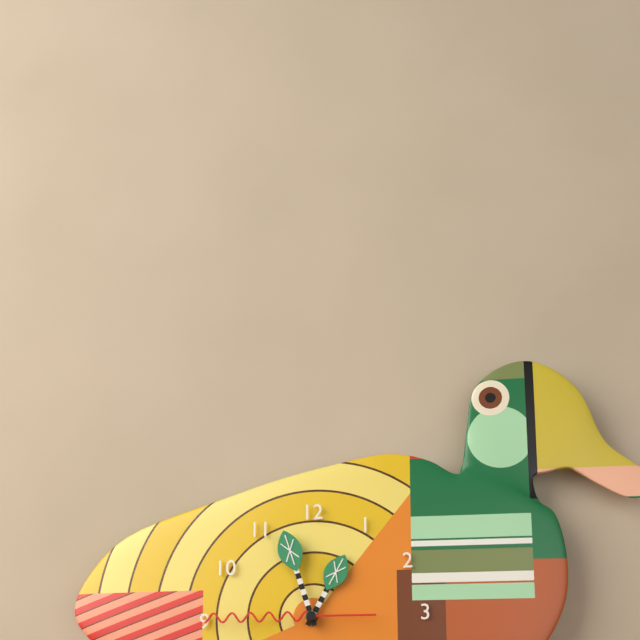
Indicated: 12,57,45
